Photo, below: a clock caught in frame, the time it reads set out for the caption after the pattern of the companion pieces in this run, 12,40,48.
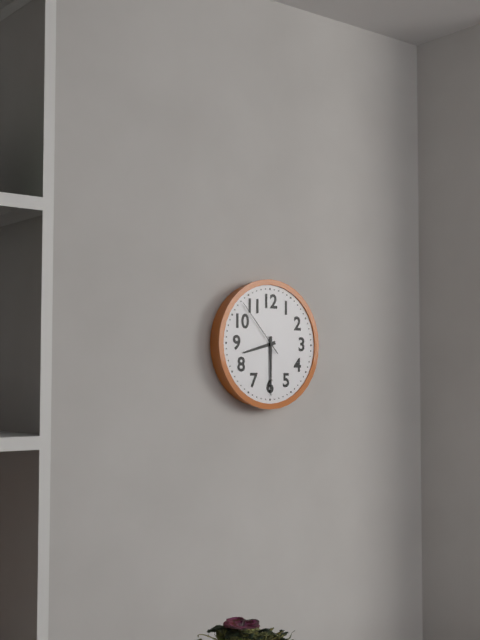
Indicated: 8,30,53
